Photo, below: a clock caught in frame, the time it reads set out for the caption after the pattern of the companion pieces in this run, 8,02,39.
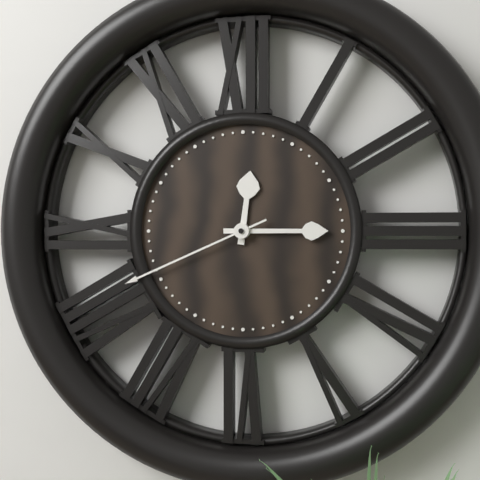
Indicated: 12,15,41
